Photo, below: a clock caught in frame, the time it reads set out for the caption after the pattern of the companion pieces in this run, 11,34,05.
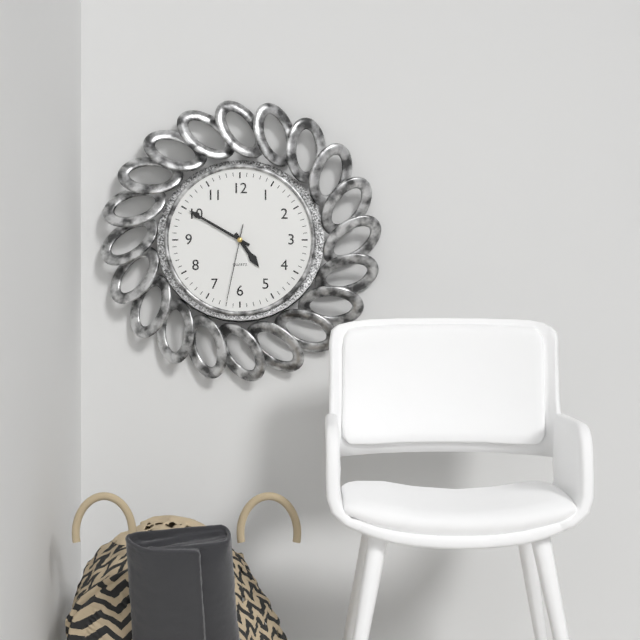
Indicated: 4,50,32
